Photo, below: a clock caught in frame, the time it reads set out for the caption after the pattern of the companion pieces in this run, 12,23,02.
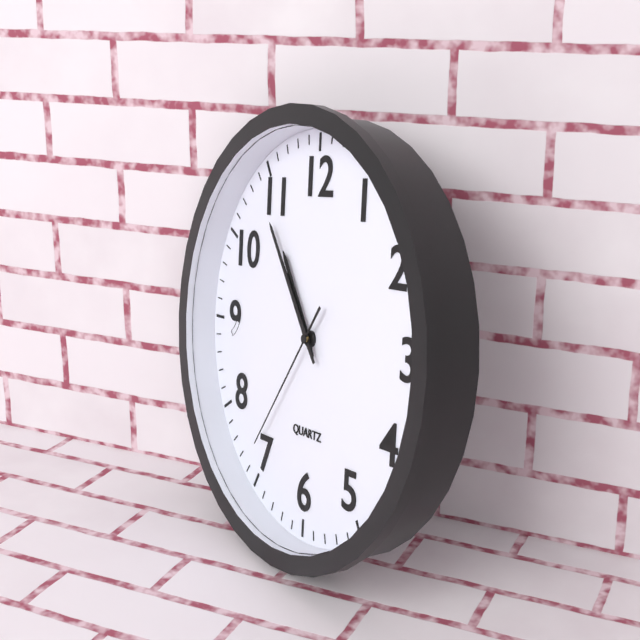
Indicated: 10,54,36
